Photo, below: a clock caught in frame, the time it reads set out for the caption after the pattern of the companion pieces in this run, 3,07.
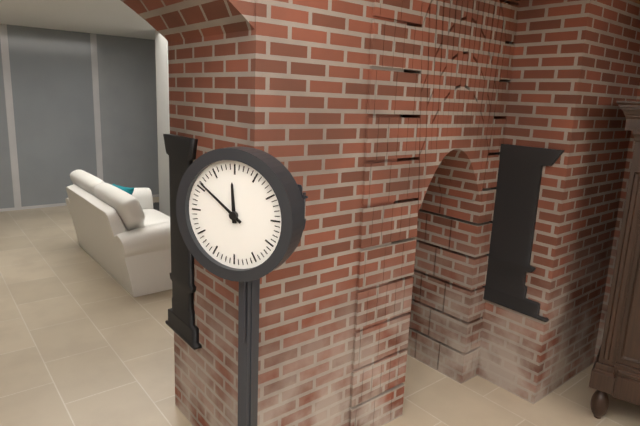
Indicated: 11,51
